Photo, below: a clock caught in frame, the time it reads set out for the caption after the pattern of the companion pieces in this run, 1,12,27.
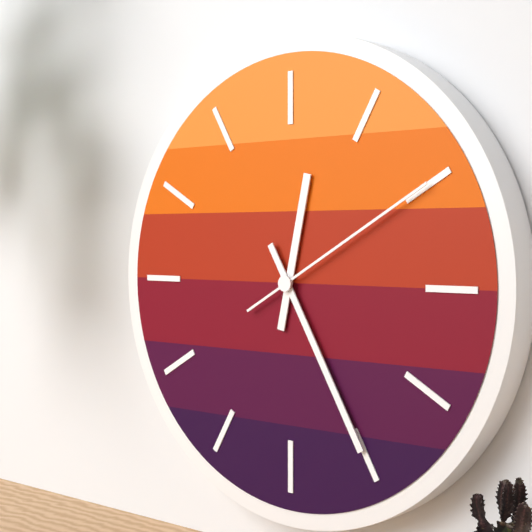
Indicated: 12,25,10
